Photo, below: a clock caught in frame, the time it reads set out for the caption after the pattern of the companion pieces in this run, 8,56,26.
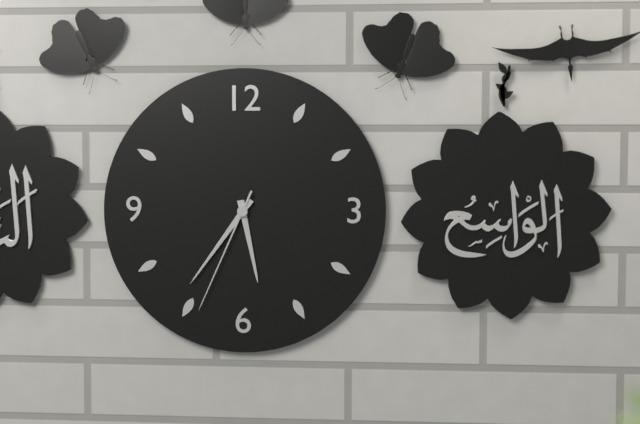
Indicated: 5,36,34
